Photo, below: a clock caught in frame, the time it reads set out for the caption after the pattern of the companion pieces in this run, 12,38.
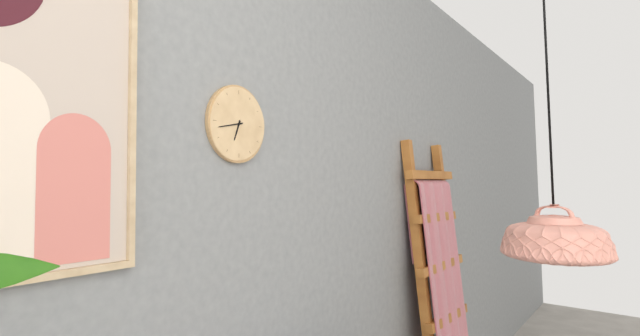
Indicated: 6,43
